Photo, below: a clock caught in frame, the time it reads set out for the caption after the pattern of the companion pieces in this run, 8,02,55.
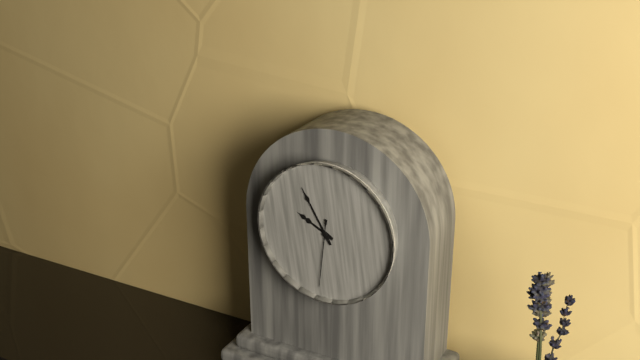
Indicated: 9,55,31
